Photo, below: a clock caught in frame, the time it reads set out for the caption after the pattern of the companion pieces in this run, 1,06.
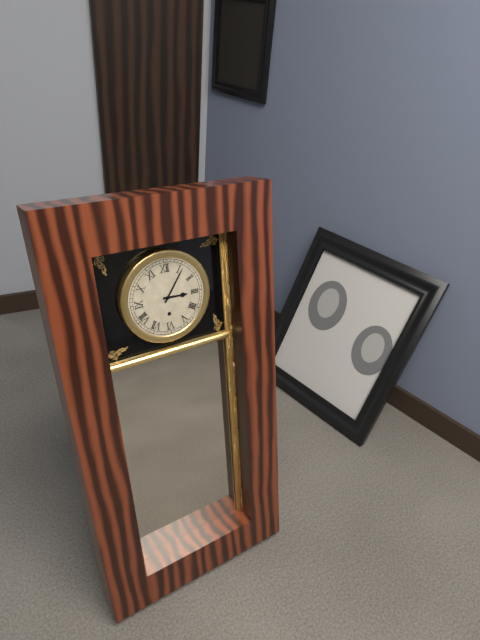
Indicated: 3,06
